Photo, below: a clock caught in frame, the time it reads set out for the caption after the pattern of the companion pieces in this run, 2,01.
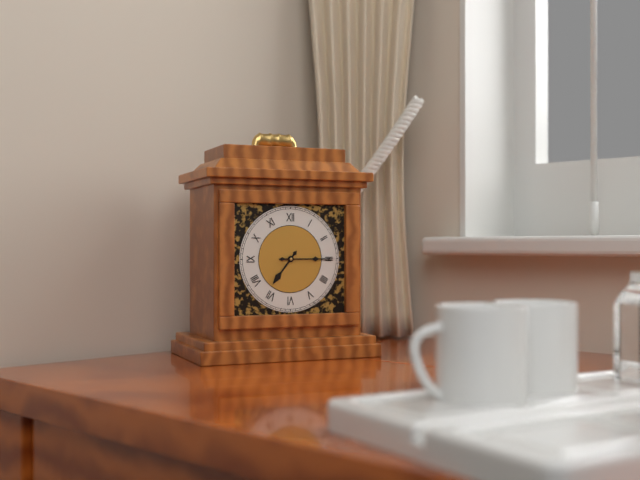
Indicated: 7,15
